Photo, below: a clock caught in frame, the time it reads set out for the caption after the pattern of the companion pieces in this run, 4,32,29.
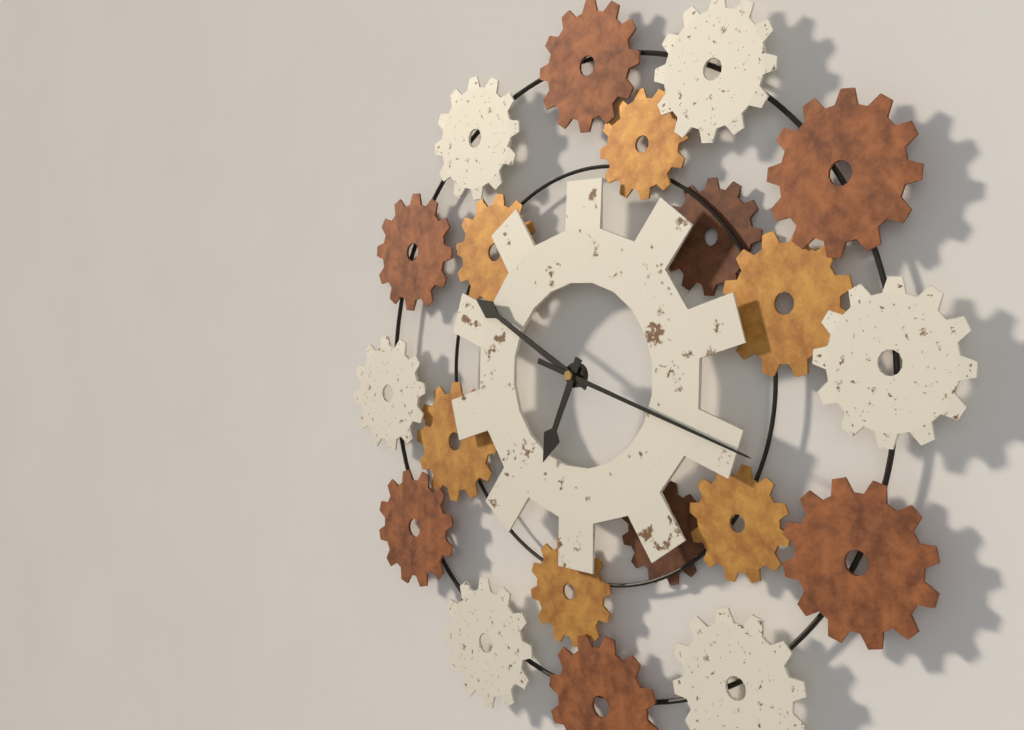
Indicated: 6,50,18
